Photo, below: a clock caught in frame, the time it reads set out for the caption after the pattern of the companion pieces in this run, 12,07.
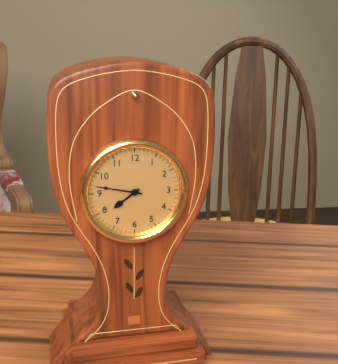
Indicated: 7,47
